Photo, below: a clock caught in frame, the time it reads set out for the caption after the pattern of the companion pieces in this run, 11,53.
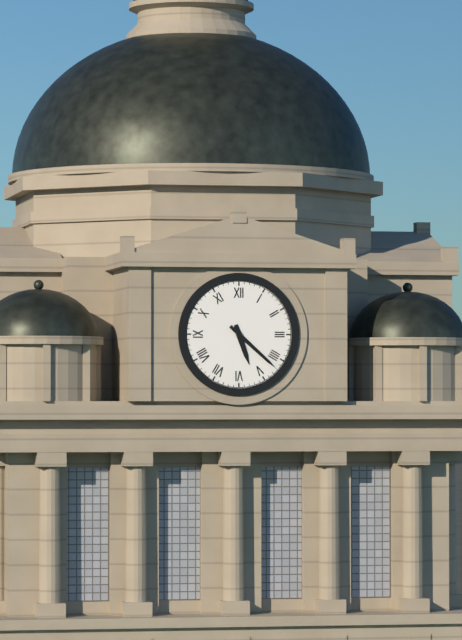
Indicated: 5,22
